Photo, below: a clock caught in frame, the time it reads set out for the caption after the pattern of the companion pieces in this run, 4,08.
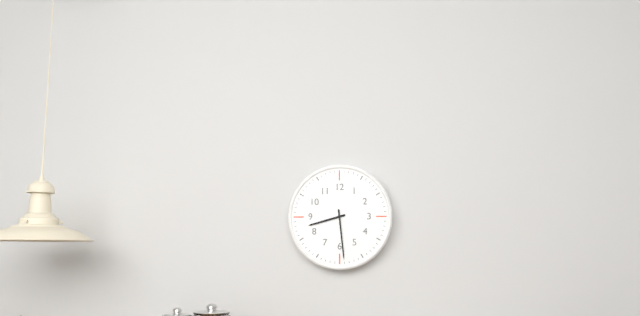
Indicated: 8,29
